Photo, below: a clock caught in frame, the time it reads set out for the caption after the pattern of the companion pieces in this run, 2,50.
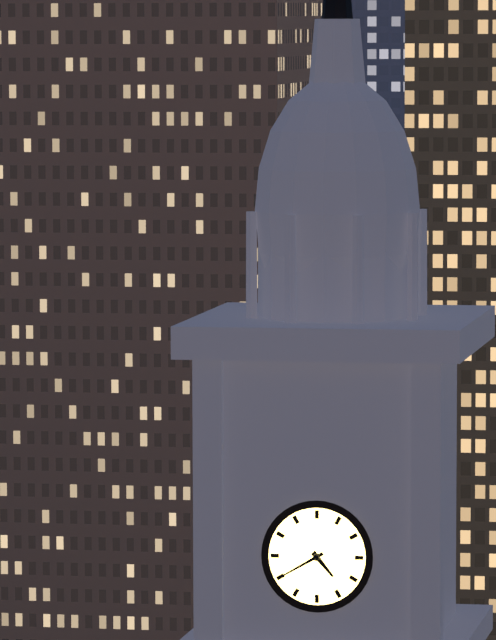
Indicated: 4,40
